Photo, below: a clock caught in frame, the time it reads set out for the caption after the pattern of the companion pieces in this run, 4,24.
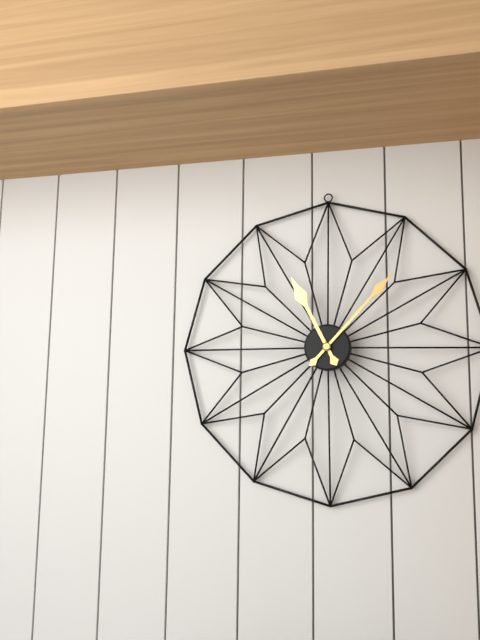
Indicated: 11,07
